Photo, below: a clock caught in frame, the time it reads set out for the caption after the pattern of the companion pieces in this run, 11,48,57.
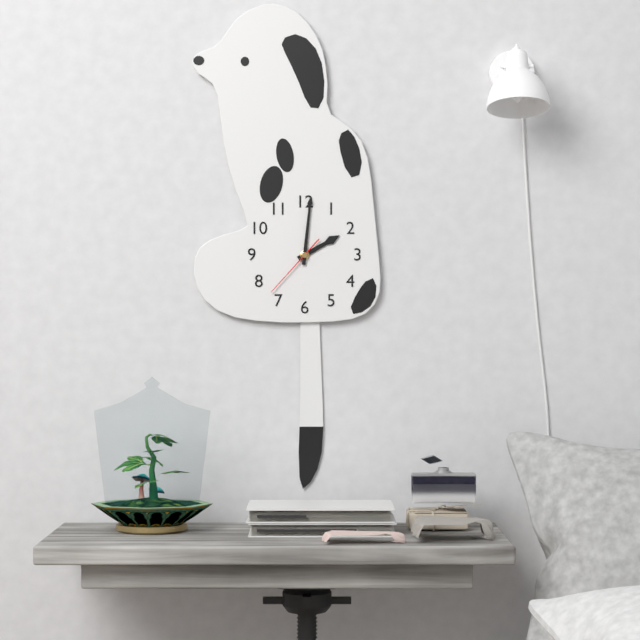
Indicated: 2,01,37
